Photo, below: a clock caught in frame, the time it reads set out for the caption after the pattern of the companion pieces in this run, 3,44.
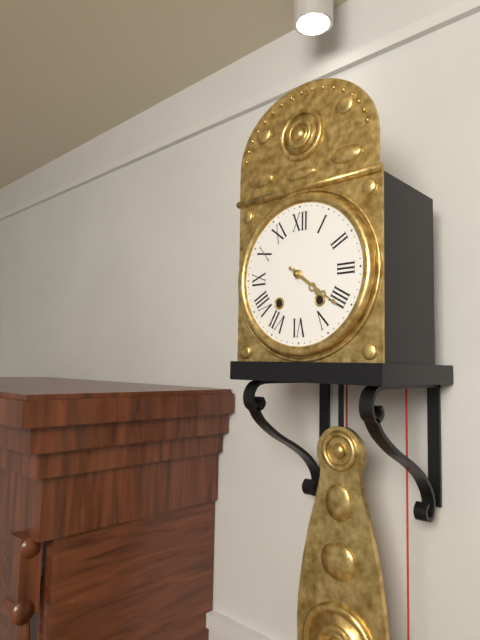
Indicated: 4,21
